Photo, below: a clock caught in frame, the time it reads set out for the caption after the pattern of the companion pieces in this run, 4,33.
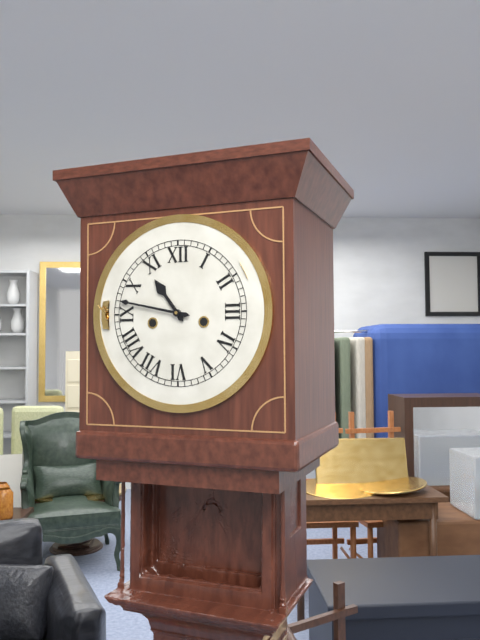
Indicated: 10,47
